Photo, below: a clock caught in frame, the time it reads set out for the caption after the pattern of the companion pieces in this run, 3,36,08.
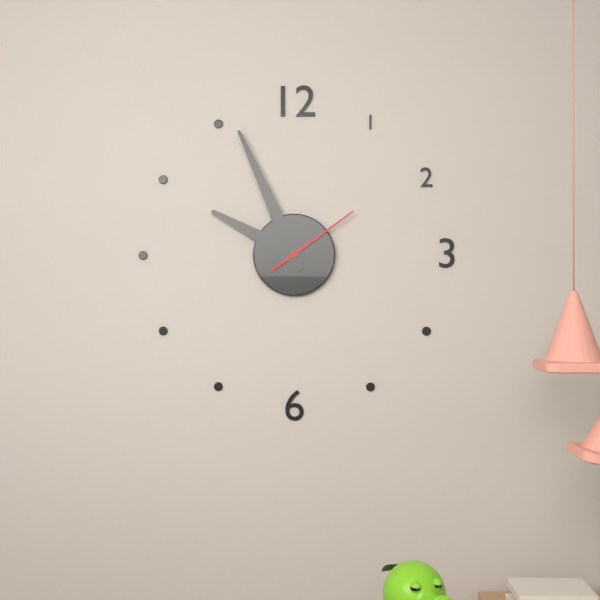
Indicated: 9,56,09
